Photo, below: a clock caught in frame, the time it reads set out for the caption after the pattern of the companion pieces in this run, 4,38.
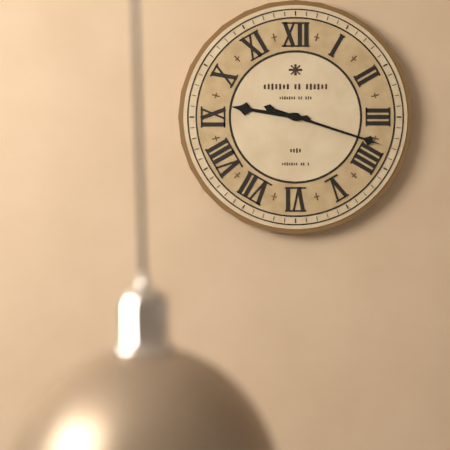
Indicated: 9,18
